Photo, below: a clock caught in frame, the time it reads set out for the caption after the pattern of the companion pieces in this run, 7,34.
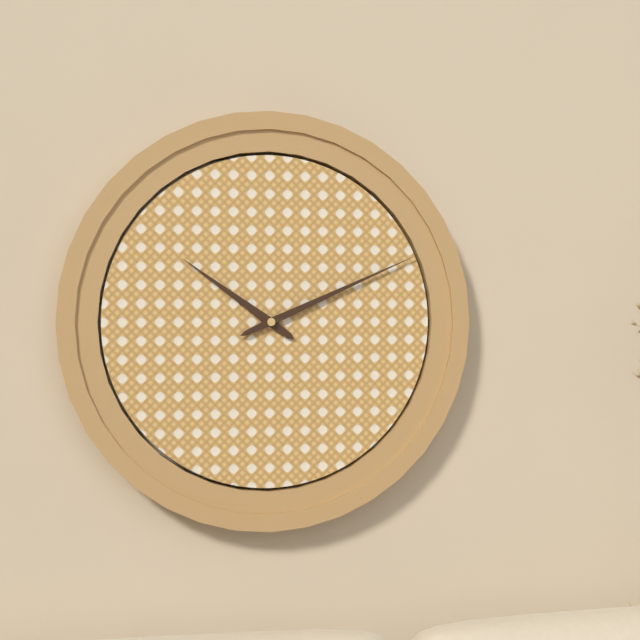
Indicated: 10,11
